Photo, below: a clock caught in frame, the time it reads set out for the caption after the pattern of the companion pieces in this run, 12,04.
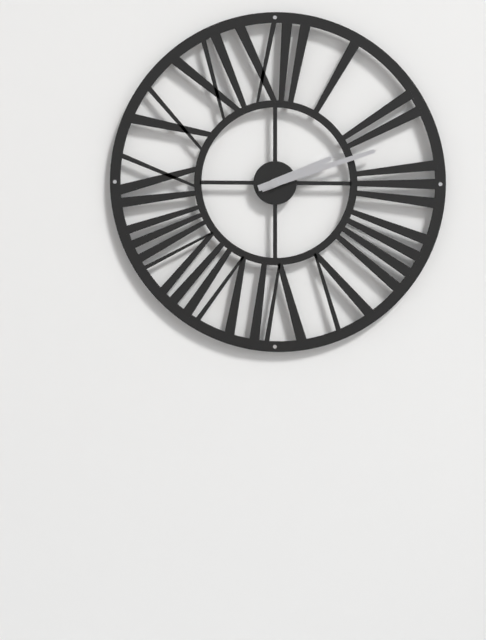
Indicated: 2,12
